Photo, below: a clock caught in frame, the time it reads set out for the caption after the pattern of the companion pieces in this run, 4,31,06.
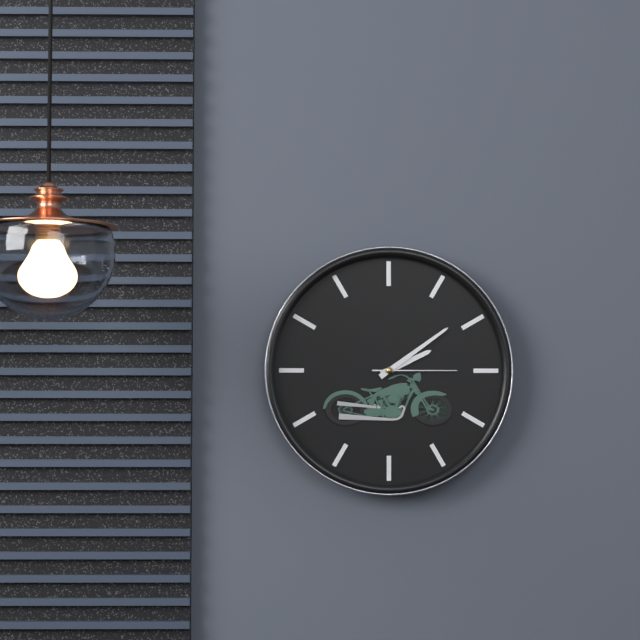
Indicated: 2,09,15
